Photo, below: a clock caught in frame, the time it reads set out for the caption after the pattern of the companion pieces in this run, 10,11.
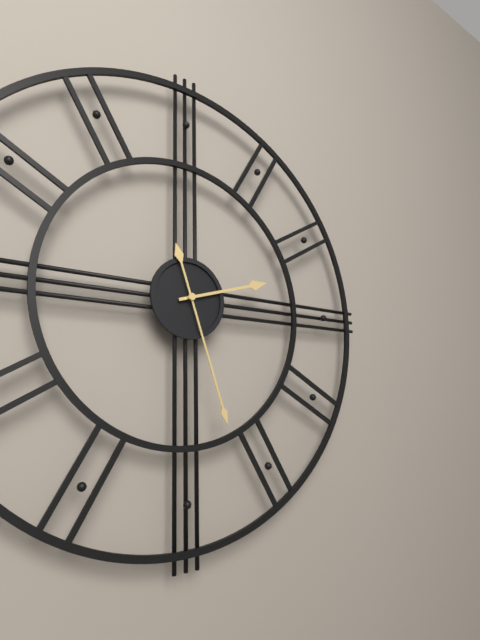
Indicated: 2,27
